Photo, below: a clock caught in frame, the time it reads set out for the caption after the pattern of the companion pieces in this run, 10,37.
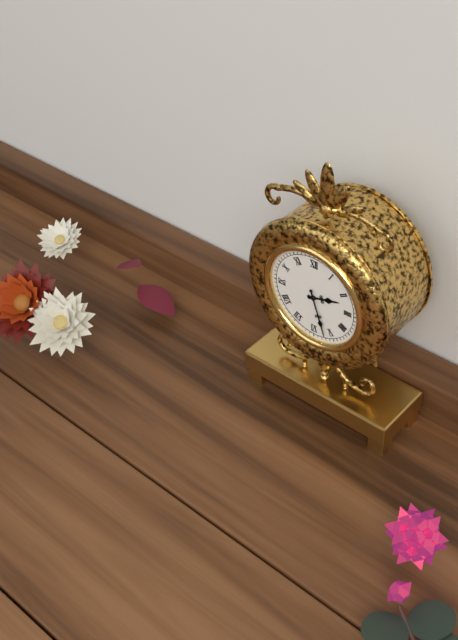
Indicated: 2,27
